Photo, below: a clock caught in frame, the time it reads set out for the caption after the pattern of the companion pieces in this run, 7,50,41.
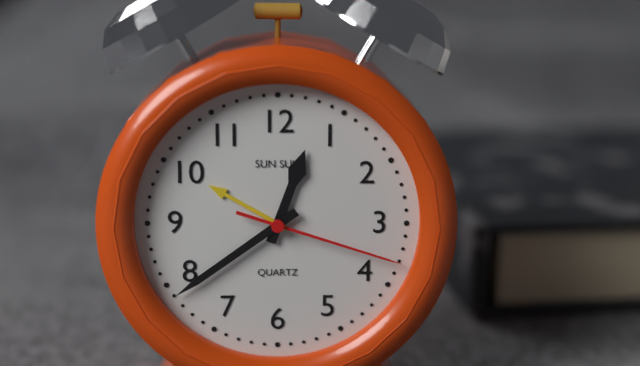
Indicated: 12,39,18
